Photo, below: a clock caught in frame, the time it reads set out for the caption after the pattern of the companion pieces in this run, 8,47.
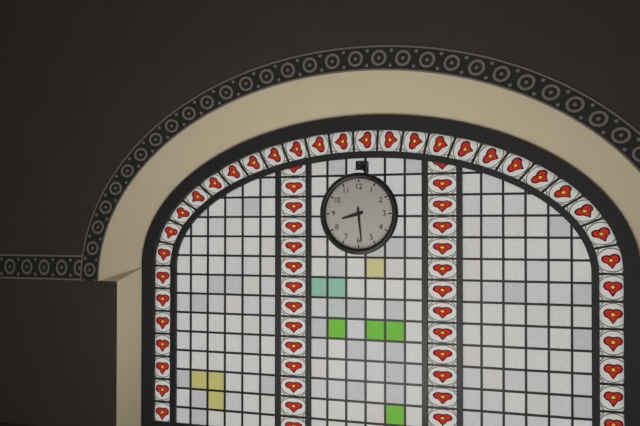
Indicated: 8,29
